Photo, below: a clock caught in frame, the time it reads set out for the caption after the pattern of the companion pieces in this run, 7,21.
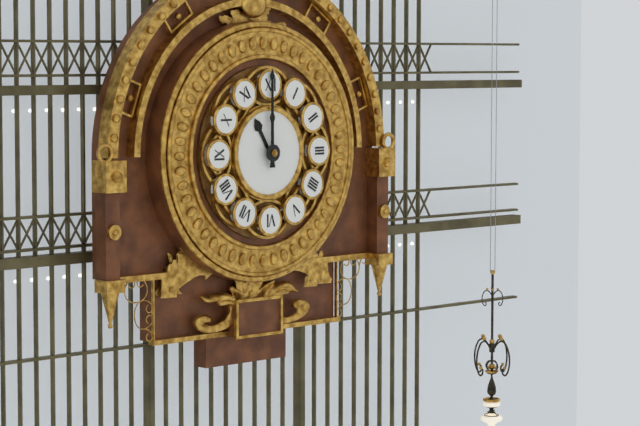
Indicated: 11,00
